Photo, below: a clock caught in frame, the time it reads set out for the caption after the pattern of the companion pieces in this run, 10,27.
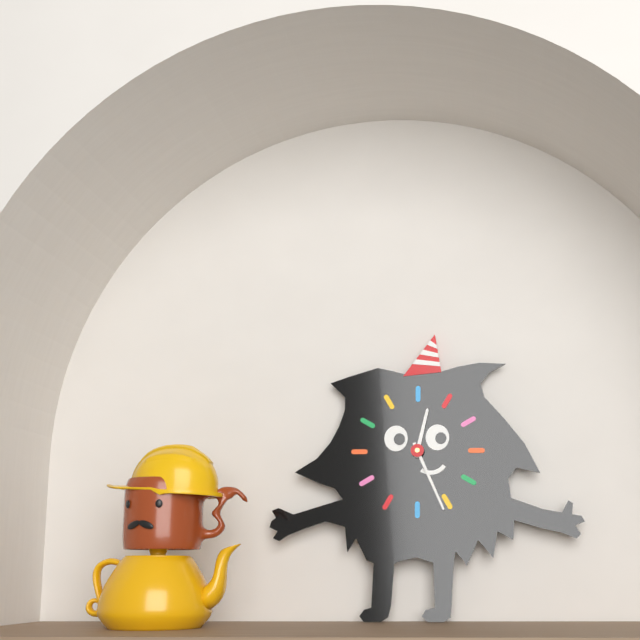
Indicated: 12,26
